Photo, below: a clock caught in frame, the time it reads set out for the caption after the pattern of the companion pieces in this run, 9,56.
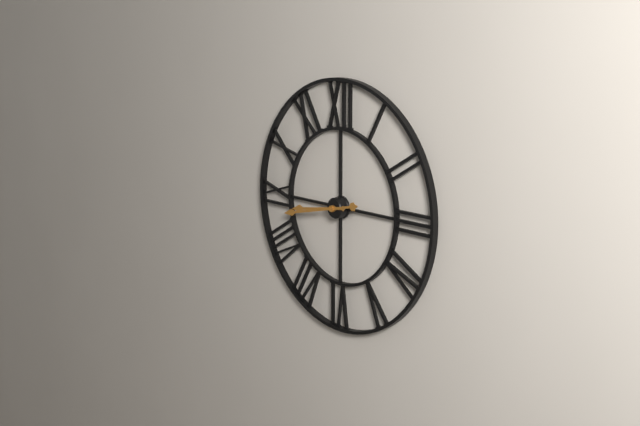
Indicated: 8,43
